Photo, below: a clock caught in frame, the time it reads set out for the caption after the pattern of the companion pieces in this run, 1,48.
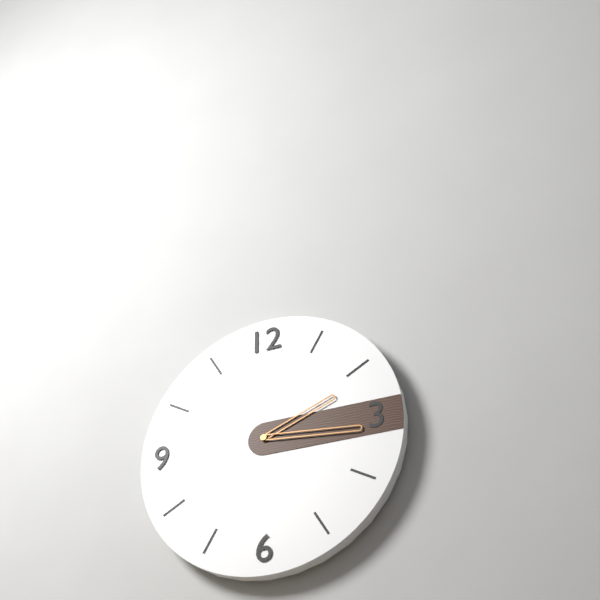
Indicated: 2,16
